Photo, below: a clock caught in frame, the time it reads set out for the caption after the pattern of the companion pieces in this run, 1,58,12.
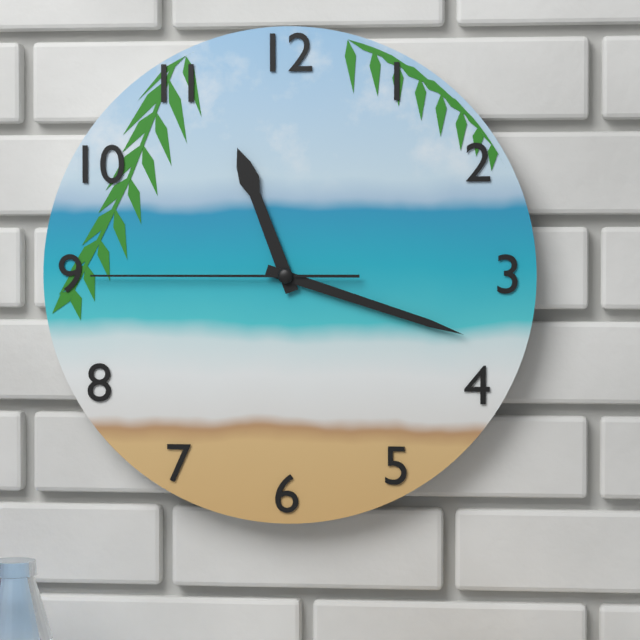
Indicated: 11,18,45
